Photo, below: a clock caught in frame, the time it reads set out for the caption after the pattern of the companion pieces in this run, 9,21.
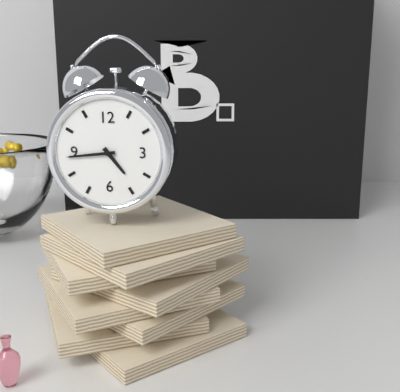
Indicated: 4,44
